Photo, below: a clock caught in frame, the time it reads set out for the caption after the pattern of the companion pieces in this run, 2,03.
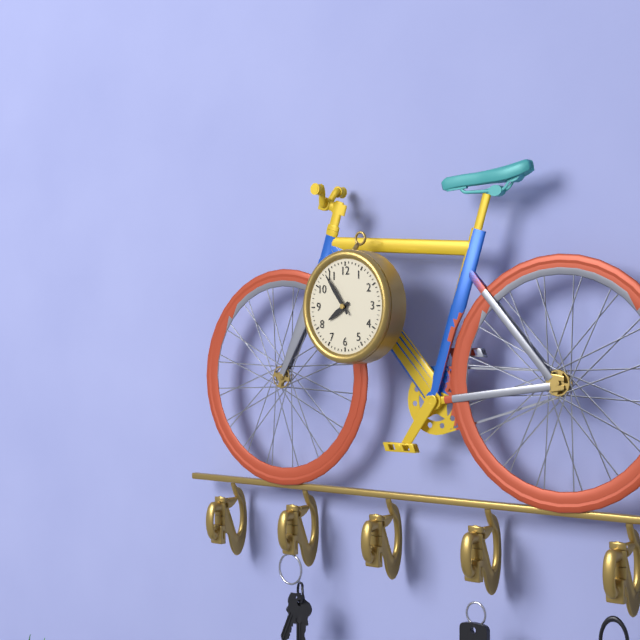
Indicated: 7,54
